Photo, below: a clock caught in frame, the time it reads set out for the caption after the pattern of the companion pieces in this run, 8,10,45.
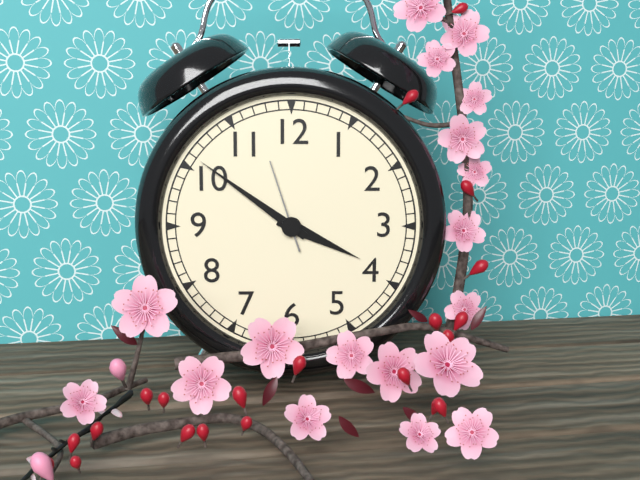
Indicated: 3,51,57
